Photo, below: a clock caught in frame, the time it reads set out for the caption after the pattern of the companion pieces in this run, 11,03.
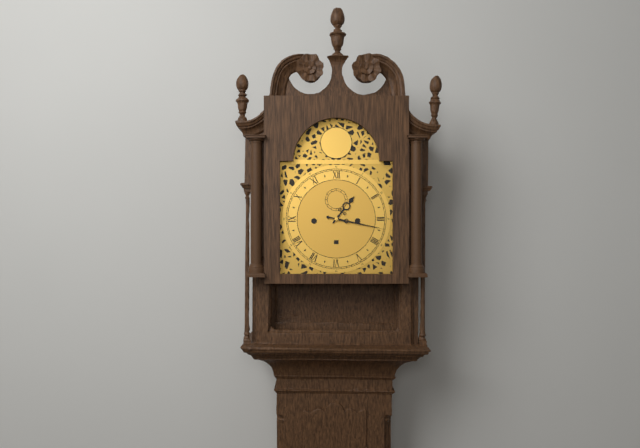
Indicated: 1,17
